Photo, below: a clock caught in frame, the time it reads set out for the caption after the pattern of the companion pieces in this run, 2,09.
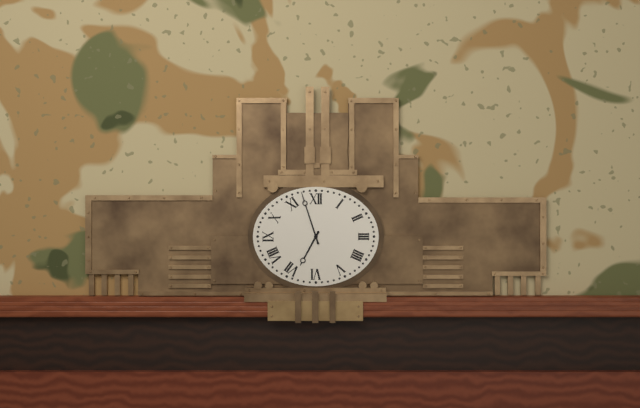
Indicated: 6,57
